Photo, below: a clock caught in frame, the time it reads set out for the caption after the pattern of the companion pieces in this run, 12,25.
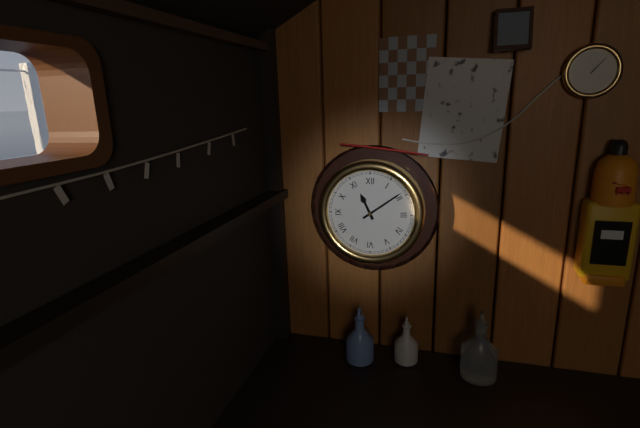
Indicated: 11,09
